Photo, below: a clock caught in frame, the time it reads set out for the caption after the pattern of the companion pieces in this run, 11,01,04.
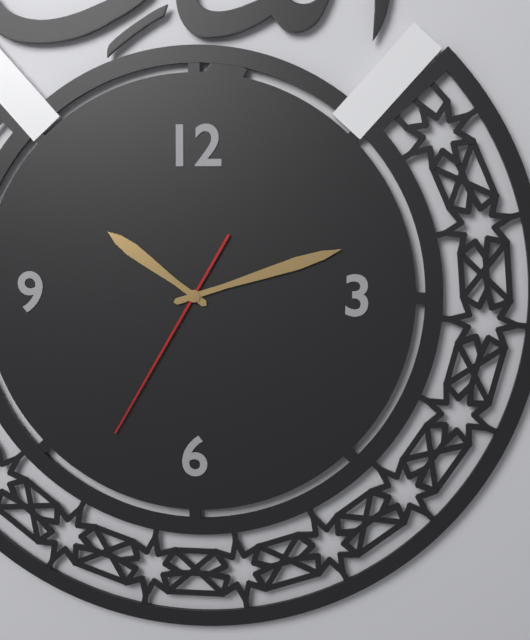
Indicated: 10,12,35
